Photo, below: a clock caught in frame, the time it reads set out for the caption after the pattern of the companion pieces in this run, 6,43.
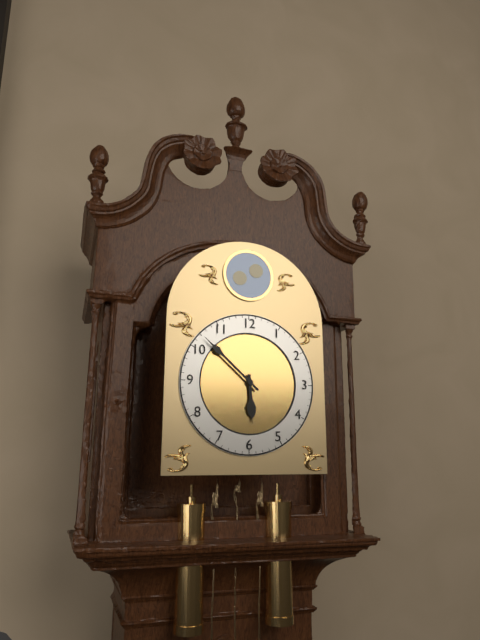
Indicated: 5,52
